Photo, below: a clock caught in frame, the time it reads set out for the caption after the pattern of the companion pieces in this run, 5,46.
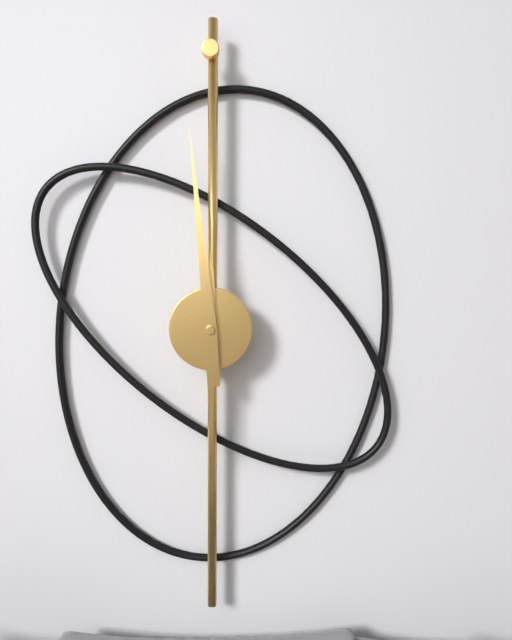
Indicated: 5,59
